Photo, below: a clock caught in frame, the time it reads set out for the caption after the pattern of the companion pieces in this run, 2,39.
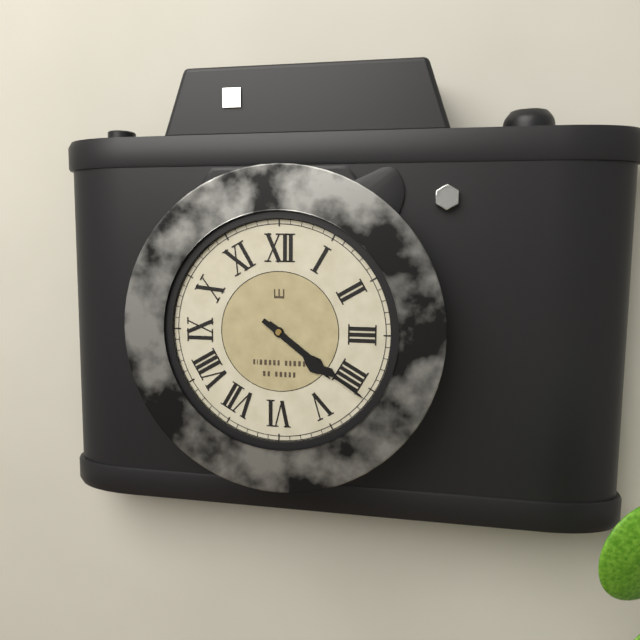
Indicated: 4,21
